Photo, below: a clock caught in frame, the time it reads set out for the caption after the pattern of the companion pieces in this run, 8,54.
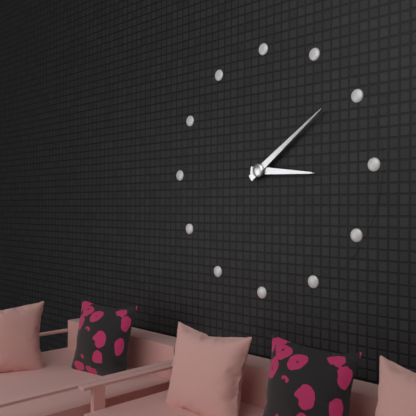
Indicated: 3,09
